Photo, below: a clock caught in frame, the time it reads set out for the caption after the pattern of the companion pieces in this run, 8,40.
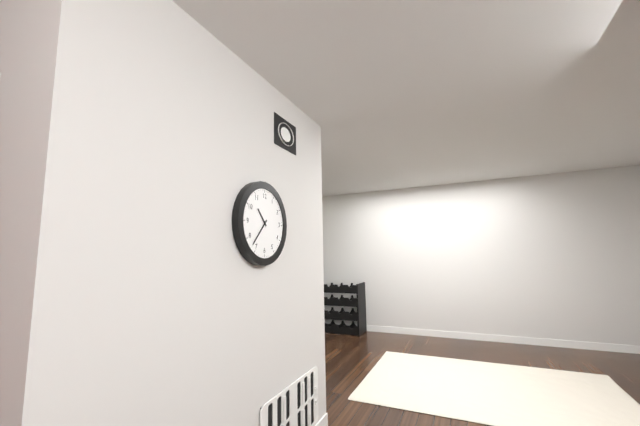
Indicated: 10,37
